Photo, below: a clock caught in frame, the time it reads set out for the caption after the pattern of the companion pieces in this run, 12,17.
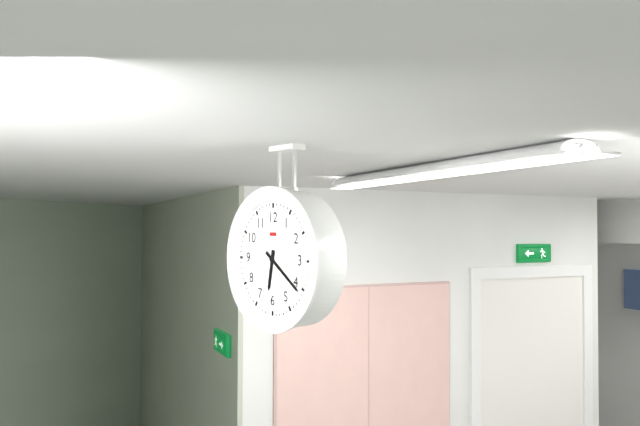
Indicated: 6,21
